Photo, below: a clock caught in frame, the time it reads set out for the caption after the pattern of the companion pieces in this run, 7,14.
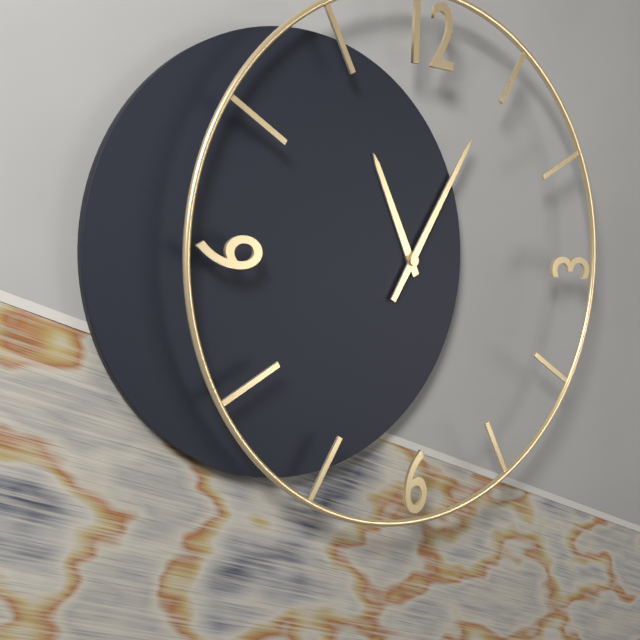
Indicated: 11,05
